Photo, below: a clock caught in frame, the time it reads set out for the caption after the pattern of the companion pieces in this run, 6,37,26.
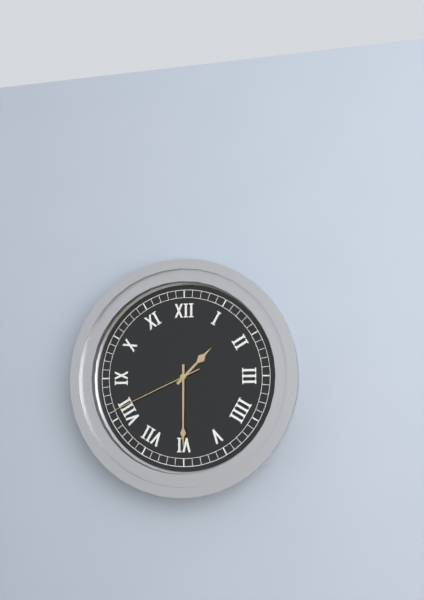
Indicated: 1,30,41
